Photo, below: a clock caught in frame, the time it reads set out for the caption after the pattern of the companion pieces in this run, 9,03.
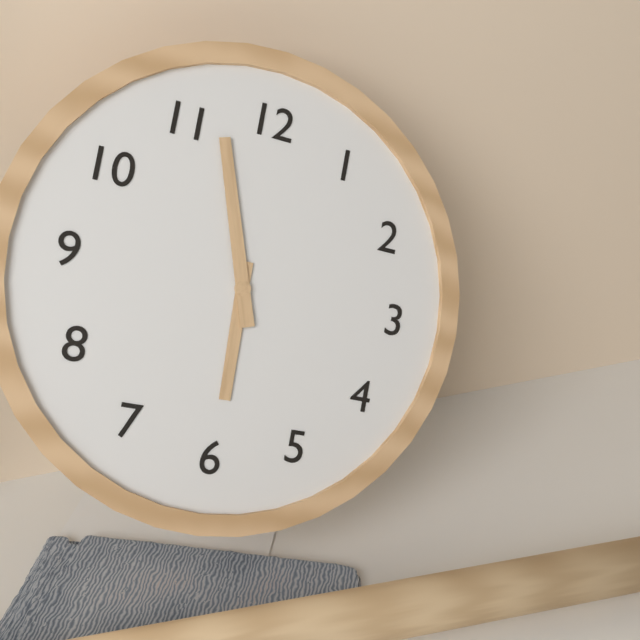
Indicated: 5,57
